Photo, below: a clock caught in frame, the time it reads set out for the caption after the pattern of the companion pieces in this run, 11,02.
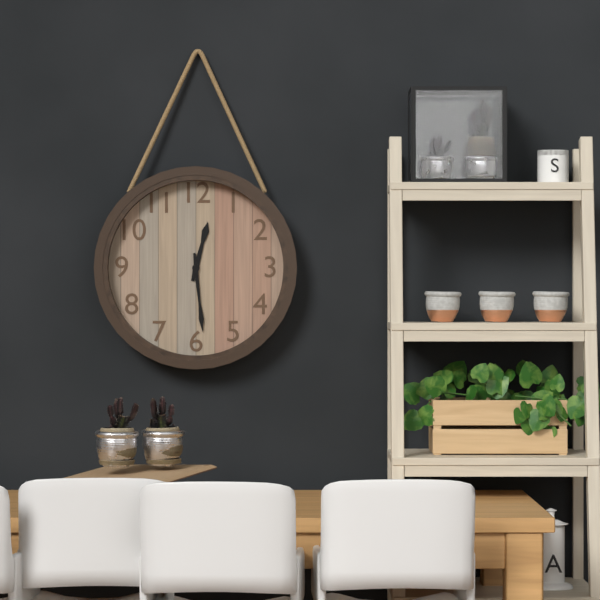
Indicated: 12,29
